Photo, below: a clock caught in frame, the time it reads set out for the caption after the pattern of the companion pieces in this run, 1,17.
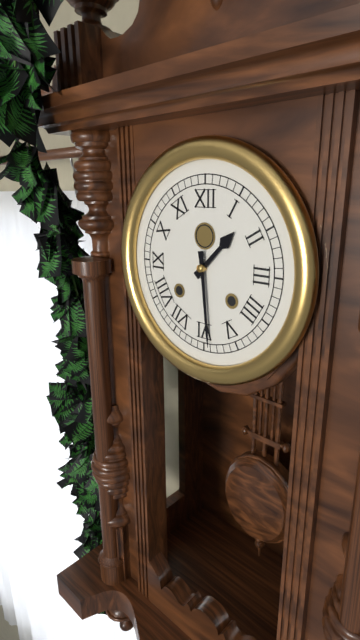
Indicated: 1,29
